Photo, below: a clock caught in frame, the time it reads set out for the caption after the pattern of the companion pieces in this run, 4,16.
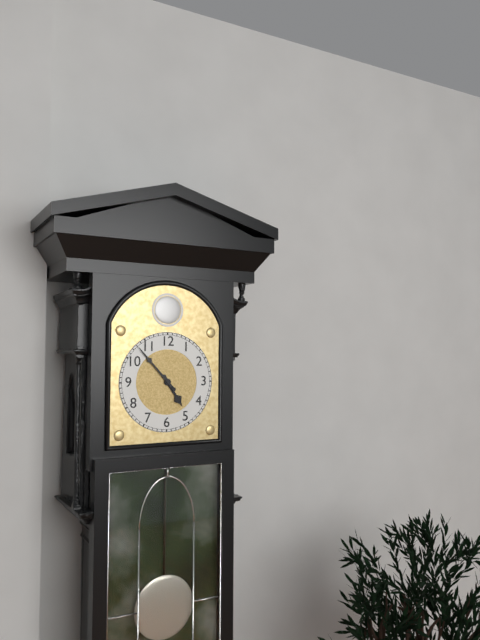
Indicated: 4,53
